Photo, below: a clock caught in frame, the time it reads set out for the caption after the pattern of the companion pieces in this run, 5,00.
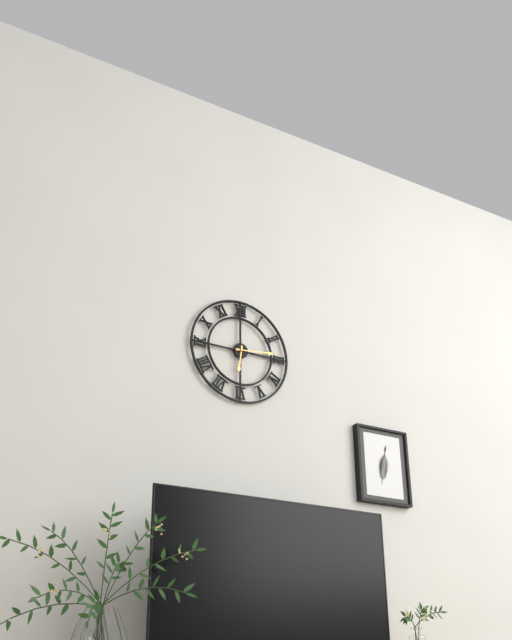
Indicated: 6,14
